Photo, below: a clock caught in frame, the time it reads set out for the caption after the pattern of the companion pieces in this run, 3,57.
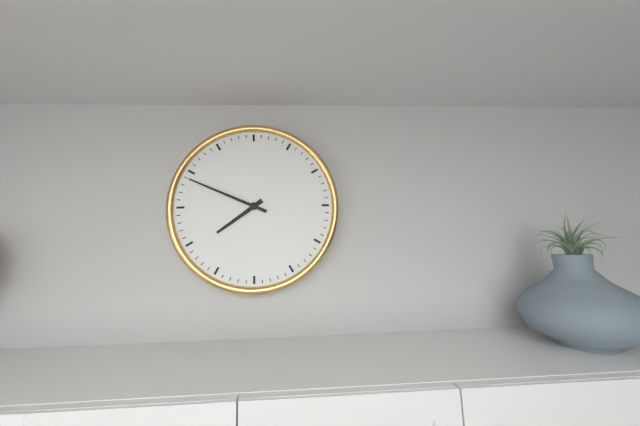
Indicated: 7,49
